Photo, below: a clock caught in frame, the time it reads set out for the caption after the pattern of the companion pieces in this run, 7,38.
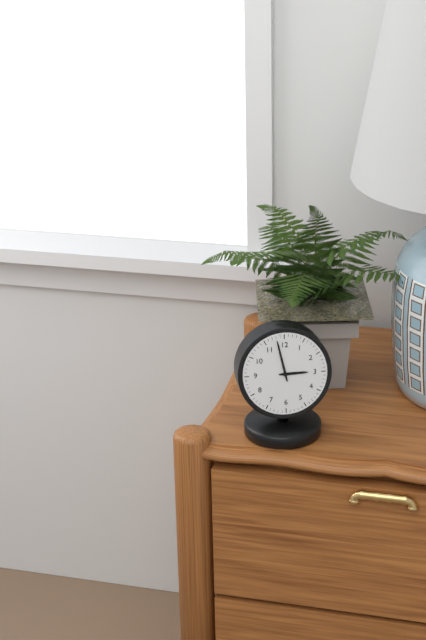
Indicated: 2,58
